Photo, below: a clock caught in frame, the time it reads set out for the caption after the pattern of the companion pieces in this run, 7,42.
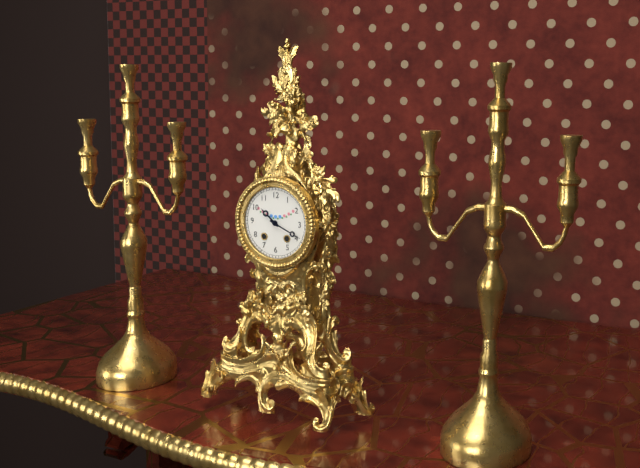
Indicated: 10,19
